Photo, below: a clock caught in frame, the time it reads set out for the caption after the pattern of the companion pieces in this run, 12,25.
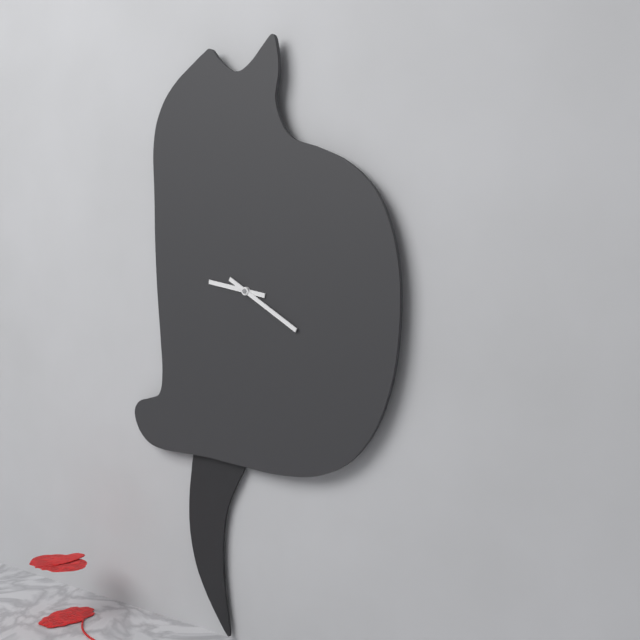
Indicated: 9,20
